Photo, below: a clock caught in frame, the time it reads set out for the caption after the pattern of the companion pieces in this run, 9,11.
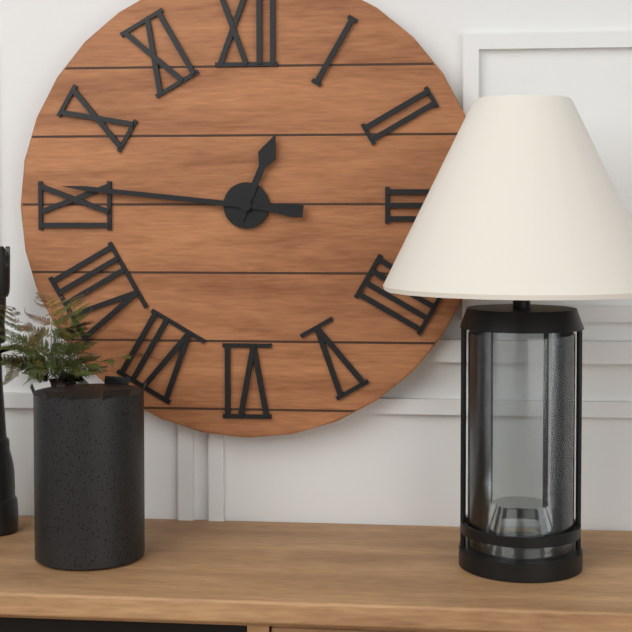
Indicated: 12,46
